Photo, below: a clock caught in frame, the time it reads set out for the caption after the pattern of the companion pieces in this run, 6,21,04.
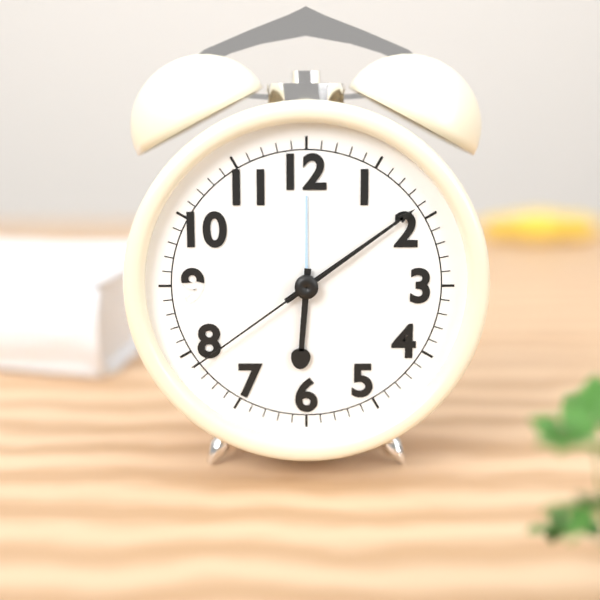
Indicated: 6,09,39
